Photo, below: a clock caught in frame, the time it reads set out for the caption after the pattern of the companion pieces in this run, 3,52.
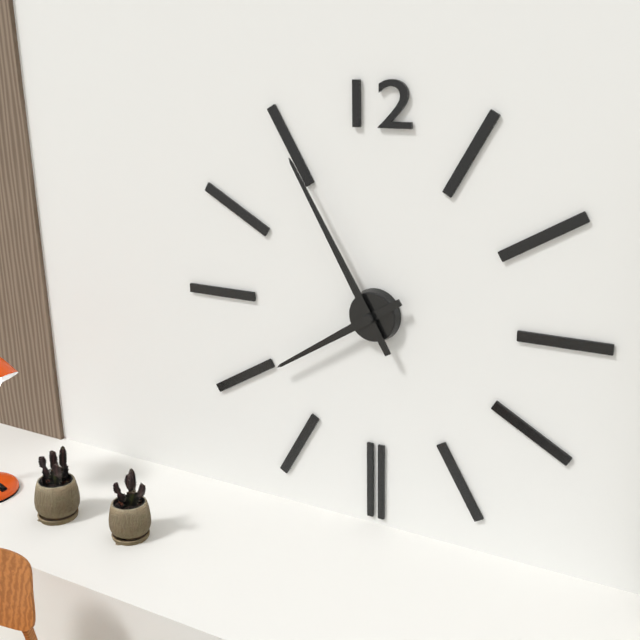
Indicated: 7,55
